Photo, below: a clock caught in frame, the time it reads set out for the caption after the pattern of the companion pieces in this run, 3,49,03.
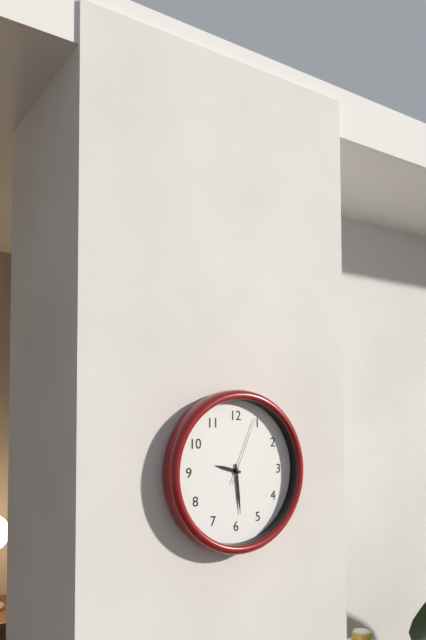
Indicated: 9,29,04
